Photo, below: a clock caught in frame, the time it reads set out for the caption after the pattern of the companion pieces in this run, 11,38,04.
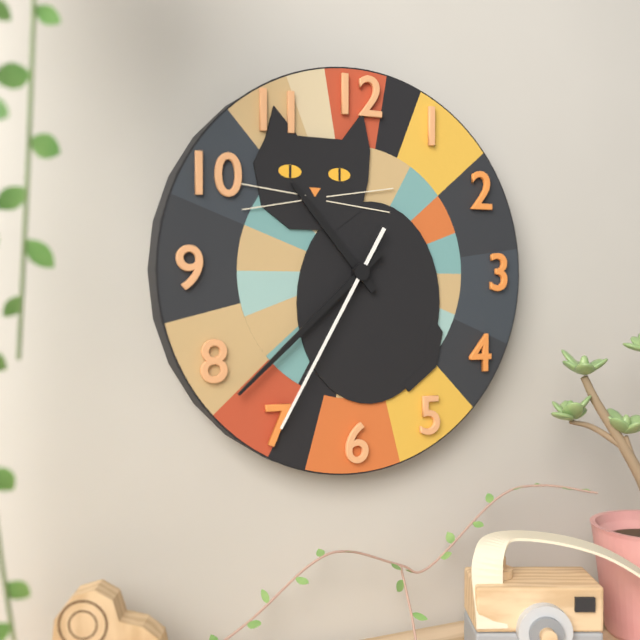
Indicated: 10,38,35
